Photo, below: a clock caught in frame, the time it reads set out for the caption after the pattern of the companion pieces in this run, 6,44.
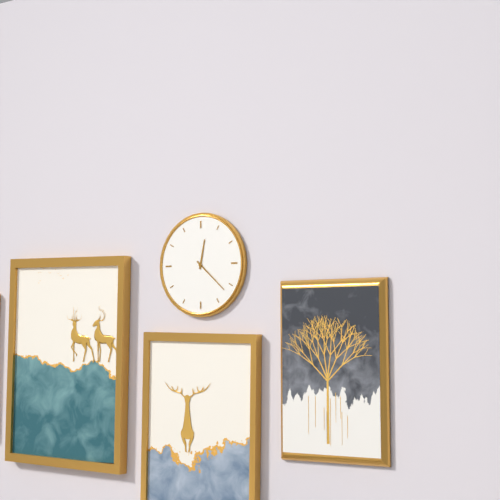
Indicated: 12,22
